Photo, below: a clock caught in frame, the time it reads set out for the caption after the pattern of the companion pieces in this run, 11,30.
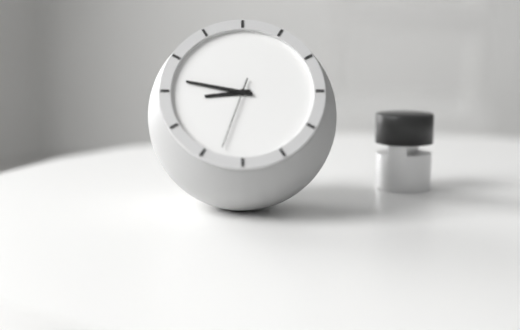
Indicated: 8,47
